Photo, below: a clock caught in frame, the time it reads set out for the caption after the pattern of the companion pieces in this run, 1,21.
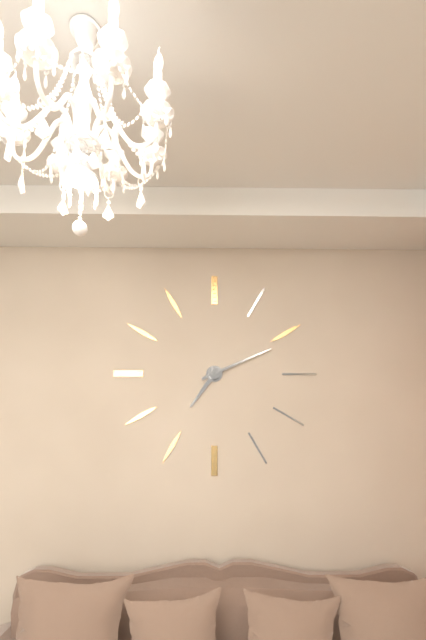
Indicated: 7,11
